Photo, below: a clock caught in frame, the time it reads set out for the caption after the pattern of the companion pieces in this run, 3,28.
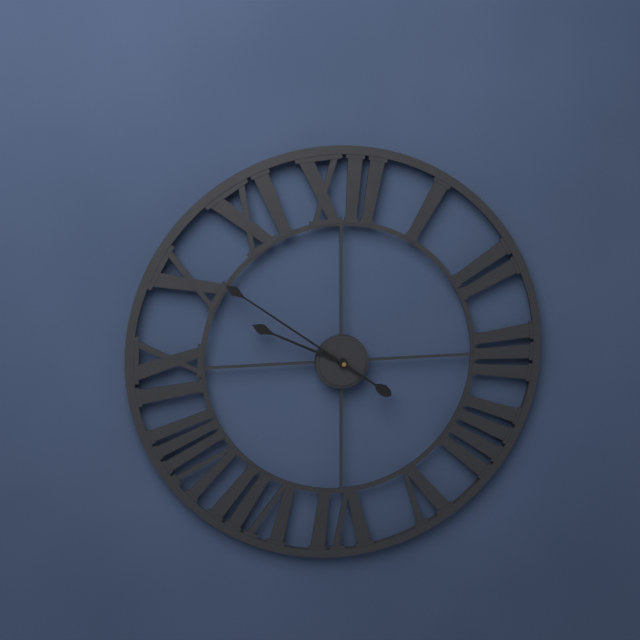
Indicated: 9,51
